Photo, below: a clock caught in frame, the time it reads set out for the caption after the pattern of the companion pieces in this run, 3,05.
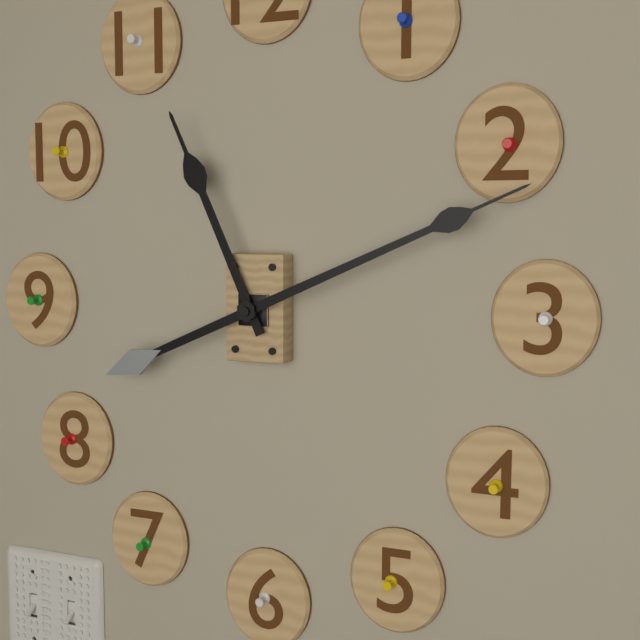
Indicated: 11,11
